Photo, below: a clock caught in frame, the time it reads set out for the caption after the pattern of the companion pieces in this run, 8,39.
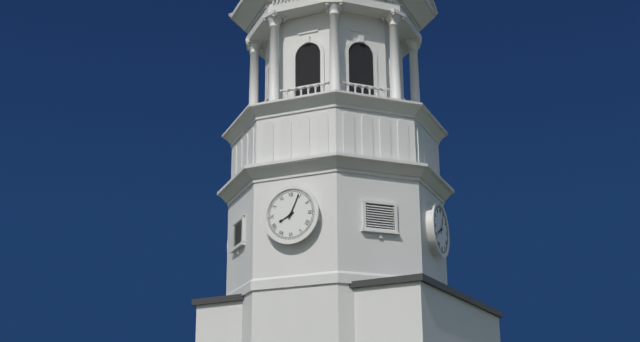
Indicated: 8,04
